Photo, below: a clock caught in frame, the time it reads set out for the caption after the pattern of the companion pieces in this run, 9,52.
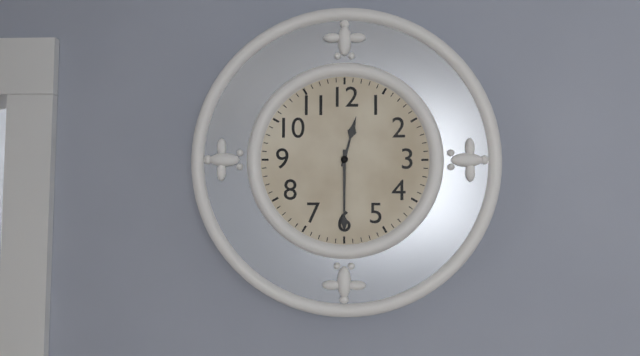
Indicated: 12,30
